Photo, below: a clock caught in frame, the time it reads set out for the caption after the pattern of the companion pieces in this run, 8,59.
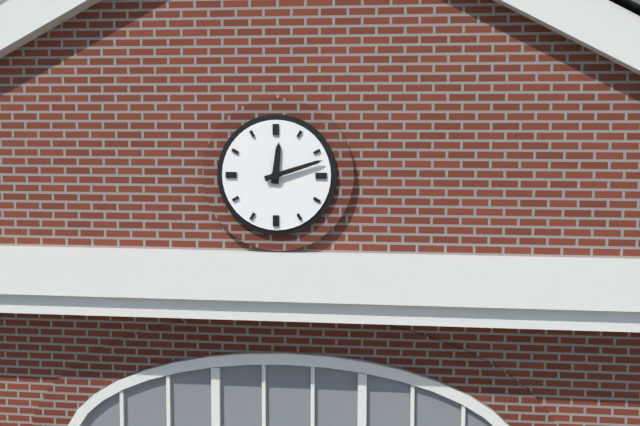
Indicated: 12,12
